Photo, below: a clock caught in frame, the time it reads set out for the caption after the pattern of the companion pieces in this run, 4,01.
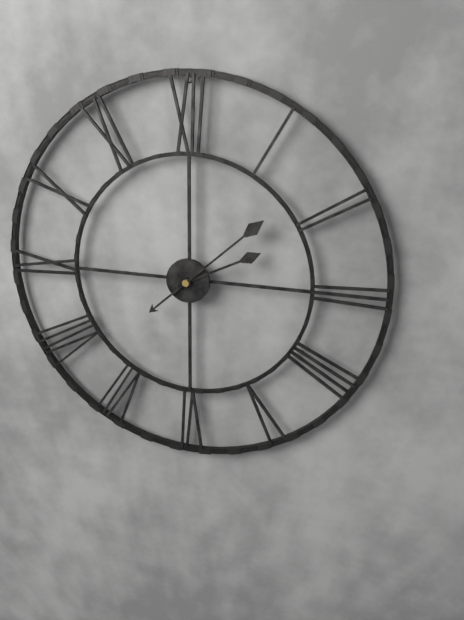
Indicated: 2,08
